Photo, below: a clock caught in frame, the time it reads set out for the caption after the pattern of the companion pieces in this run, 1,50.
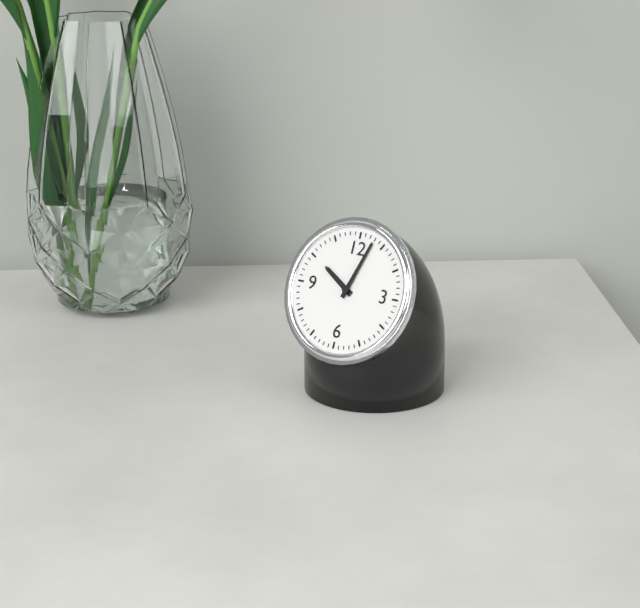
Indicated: 10,03
